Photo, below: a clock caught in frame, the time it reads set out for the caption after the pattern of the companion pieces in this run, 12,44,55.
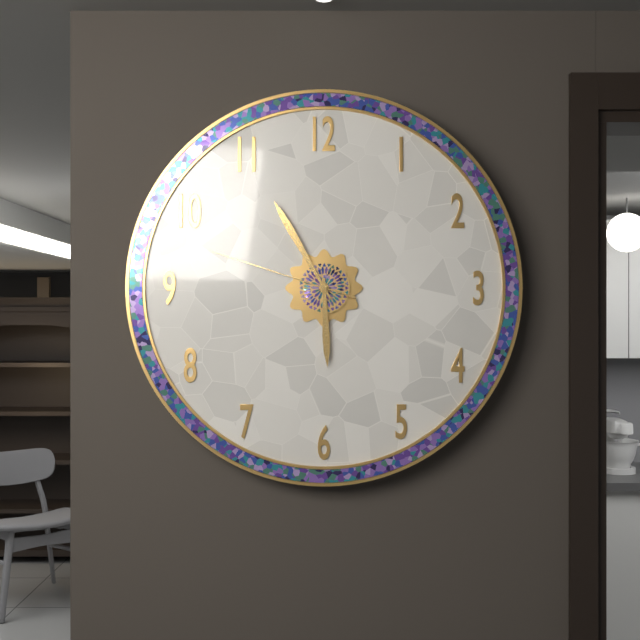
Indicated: 5,55,48
